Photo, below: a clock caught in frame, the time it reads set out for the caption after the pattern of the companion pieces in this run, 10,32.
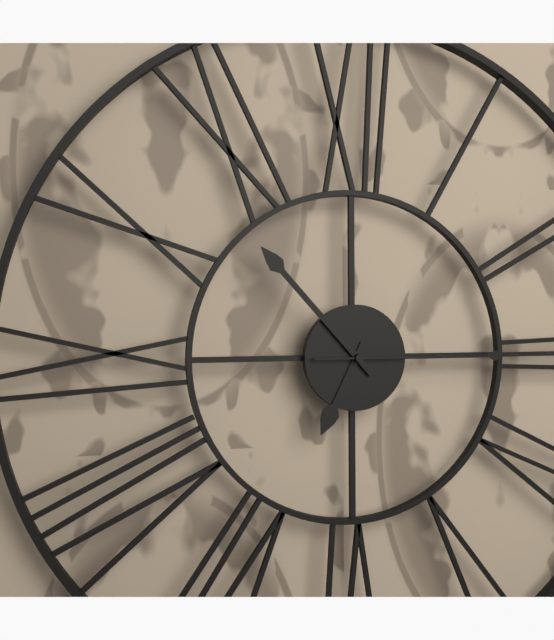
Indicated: 6,53
